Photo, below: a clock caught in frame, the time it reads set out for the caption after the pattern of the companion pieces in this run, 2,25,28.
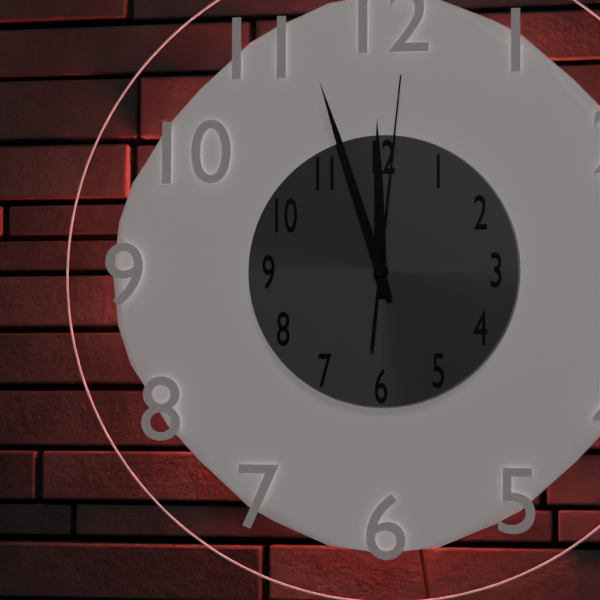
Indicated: 11,57,01
